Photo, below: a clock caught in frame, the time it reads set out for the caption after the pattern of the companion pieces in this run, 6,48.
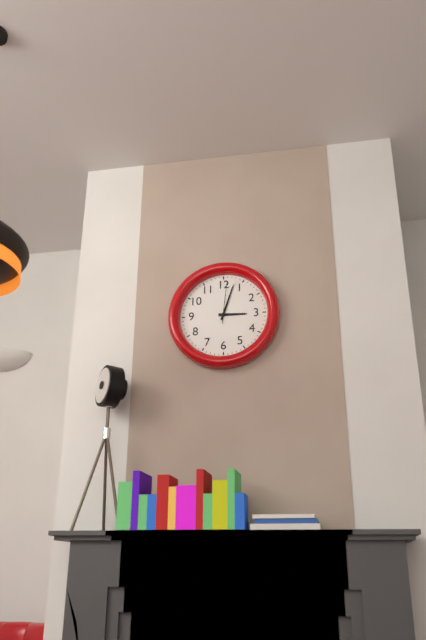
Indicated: 3,03
